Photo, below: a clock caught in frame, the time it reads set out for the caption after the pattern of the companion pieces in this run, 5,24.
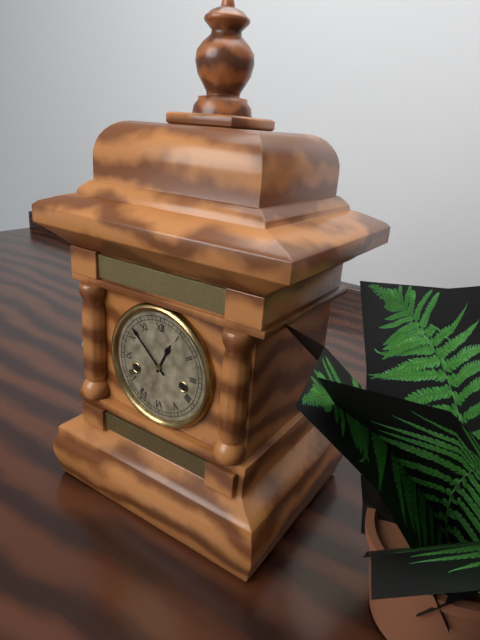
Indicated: 12,52
